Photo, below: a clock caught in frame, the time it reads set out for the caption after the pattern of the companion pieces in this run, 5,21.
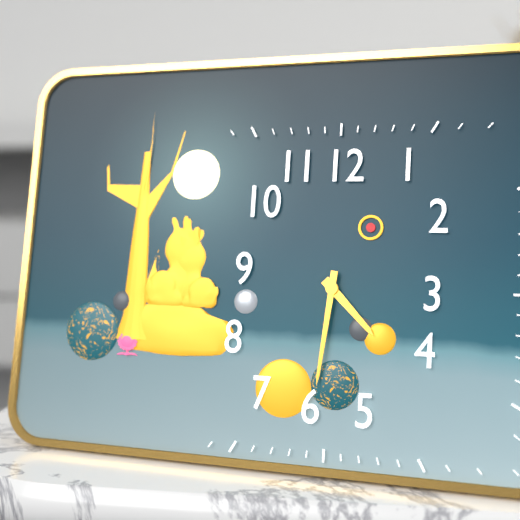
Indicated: 4,31
